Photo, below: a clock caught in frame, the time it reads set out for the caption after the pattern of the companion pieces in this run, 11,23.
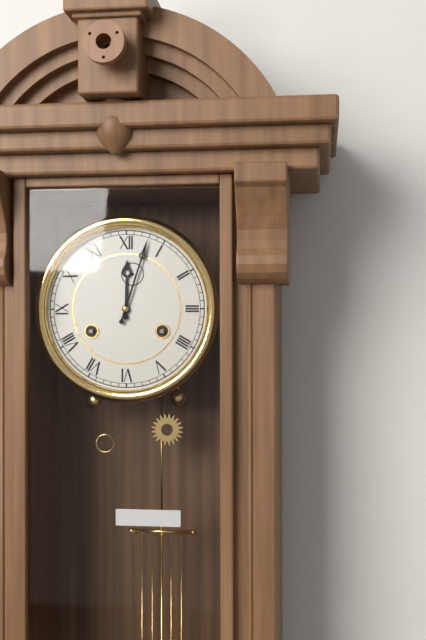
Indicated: 12,03
